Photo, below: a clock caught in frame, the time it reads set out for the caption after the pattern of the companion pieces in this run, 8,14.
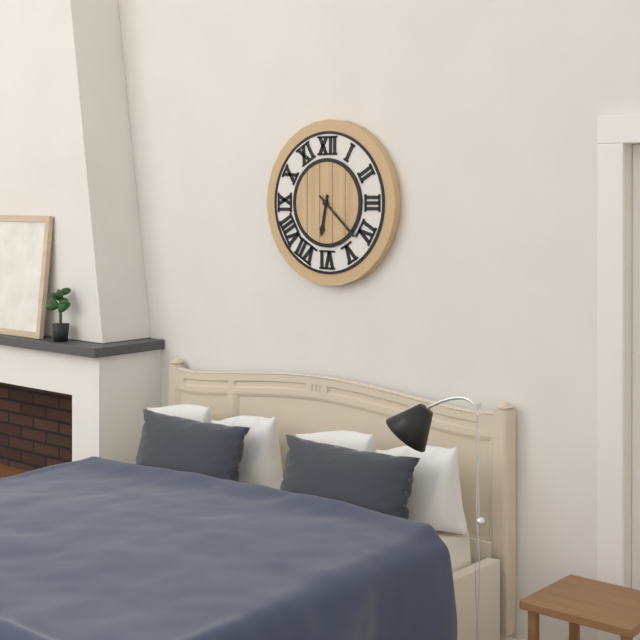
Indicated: 6,22
